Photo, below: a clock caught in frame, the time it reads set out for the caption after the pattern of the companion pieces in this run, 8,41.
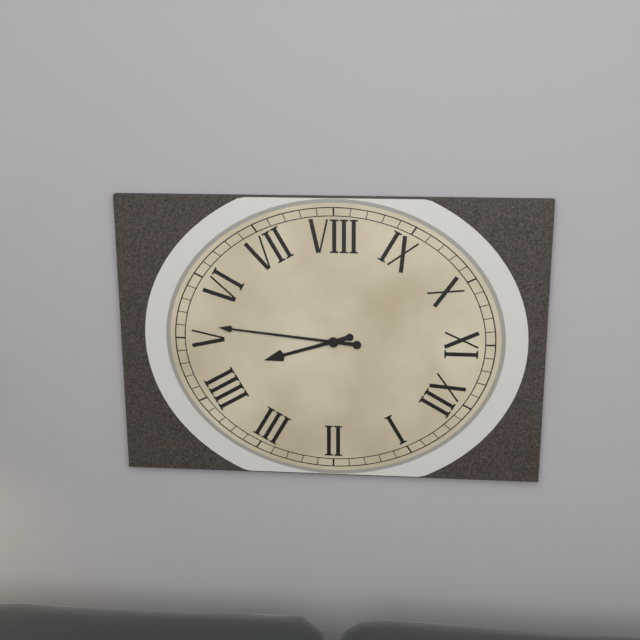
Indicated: 4,26
